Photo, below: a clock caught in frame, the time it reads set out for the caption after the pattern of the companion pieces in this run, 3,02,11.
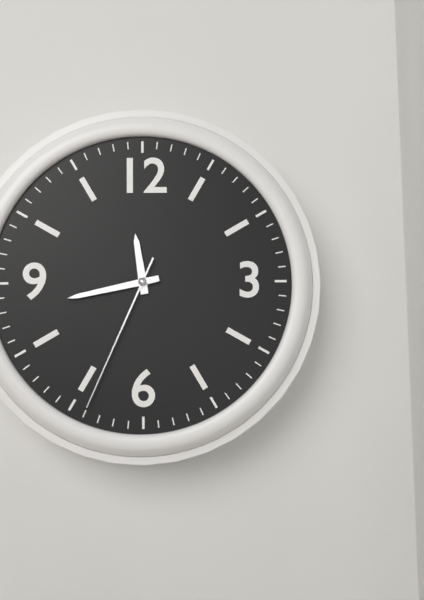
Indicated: 11,43,34
